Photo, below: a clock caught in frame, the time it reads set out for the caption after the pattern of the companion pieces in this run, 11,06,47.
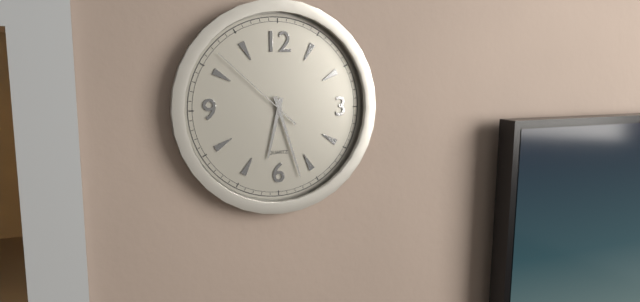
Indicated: 6,27,52
